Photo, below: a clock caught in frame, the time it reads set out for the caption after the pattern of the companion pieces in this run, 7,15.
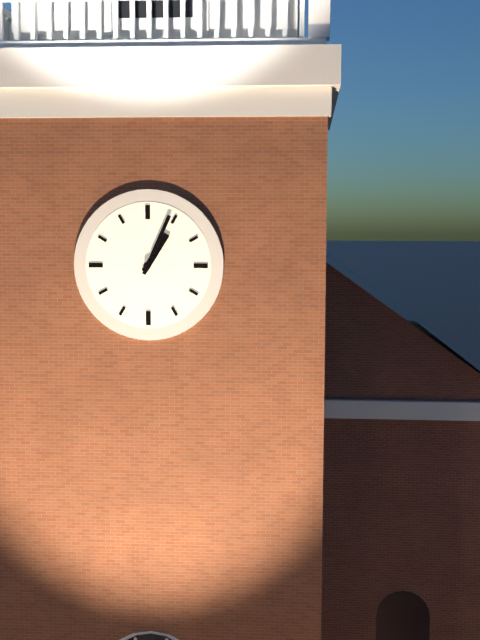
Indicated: 1,04
